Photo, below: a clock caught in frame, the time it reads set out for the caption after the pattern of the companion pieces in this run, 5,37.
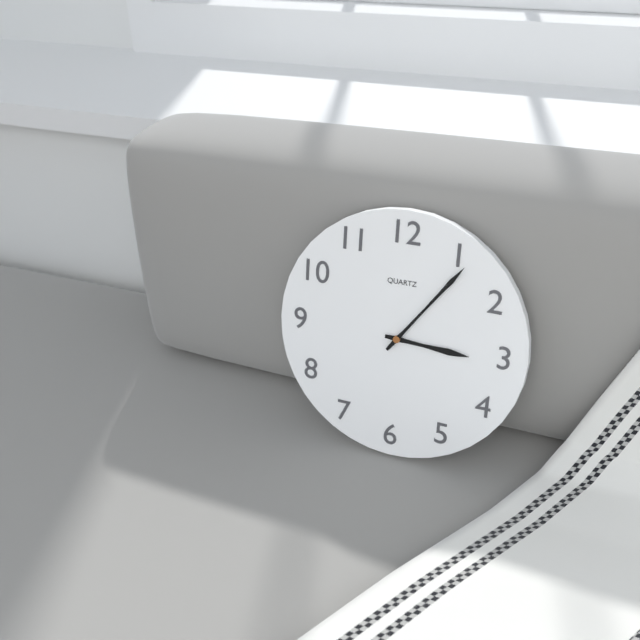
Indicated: 3,06
